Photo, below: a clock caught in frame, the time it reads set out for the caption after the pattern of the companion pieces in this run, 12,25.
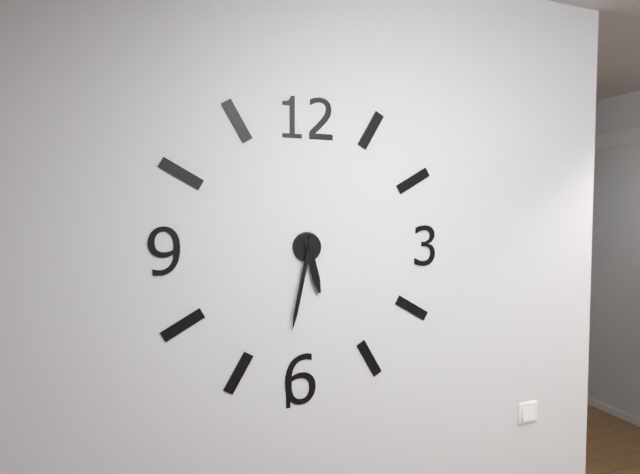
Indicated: 5,32
